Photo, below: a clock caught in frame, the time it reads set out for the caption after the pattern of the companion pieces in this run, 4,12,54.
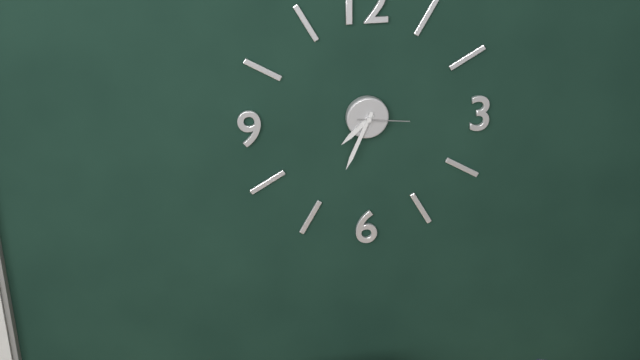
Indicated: 7,34,16
